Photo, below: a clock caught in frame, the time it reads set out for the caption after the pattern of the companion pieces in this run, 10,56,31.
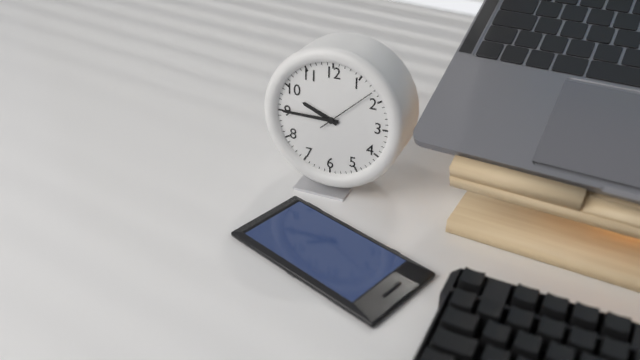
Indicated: 9,45,08
